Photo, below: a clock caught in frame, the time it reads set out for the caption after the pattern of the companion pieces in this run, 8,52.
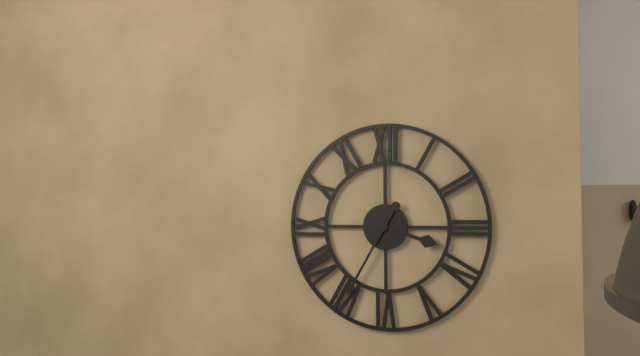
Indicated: 3,35
